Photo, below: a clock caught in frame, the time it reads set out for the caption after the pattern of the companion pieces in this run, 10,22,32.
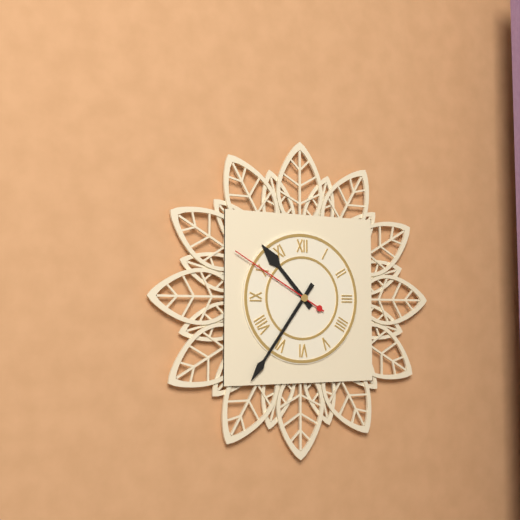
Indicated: 10,36,50
